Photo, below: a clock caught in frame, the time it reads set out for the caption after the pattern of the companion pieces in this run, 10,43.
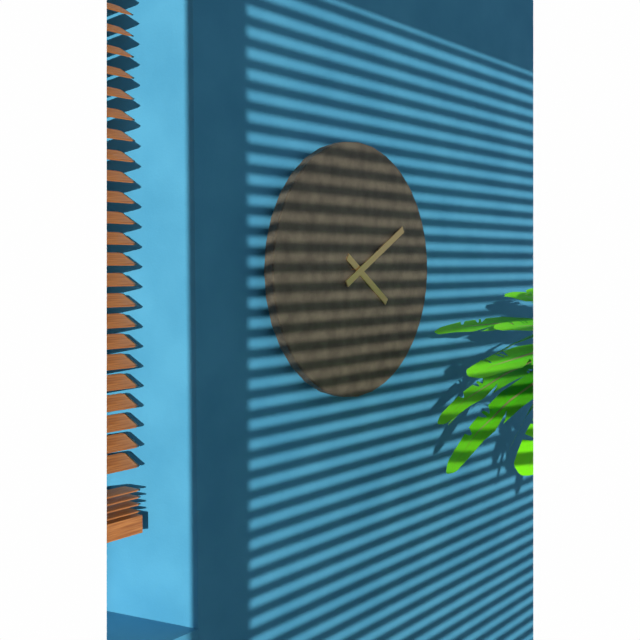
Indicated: 4,10
